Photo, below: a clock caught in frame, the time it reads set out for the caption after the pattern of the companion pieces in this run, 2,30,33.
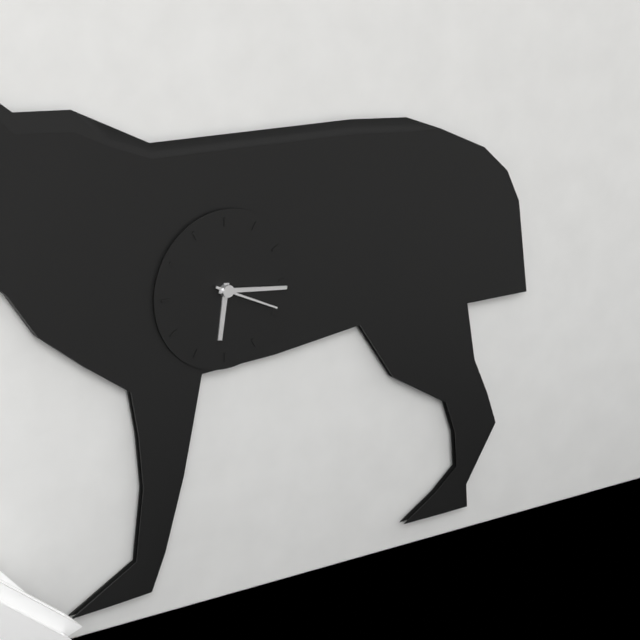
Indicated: 6,16,19
